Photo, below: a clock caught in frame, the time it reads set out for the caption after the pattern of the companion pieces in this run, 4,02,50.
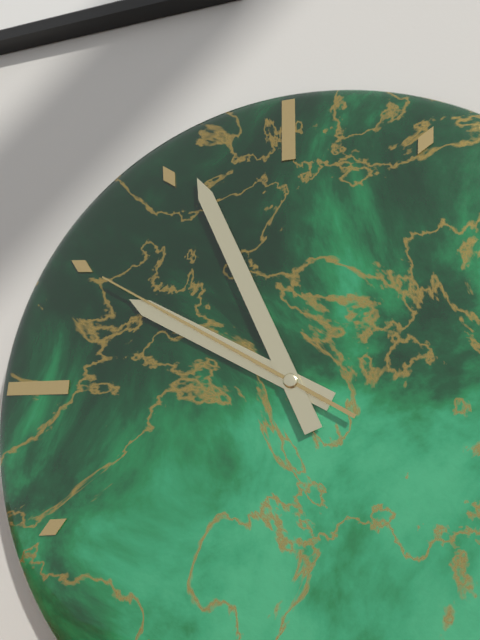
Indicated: 9,56,50
